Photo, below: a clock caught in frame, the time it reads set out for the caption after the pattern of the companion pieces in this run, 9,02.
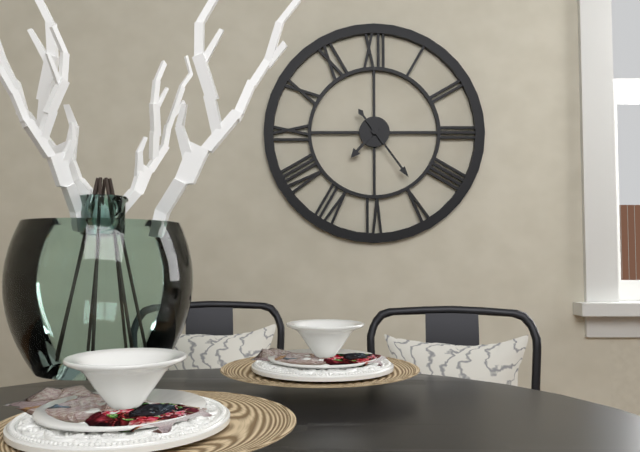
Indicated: 7,24
